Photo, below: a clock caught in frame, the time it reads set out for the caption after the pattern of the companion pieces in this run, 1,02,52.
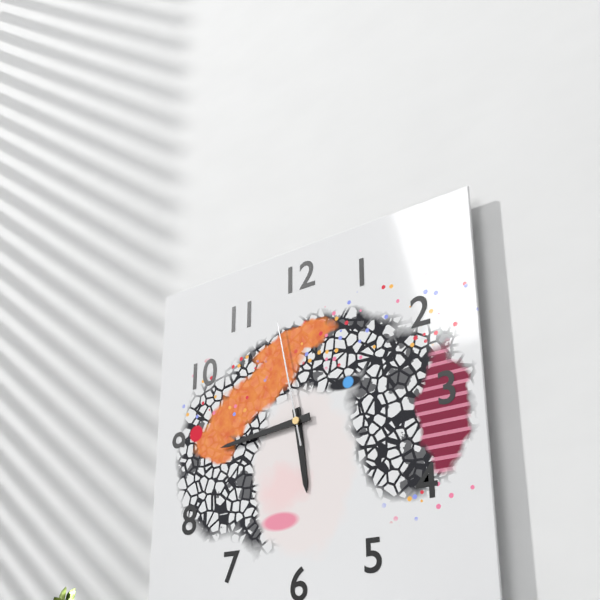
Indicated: 5,44,58
